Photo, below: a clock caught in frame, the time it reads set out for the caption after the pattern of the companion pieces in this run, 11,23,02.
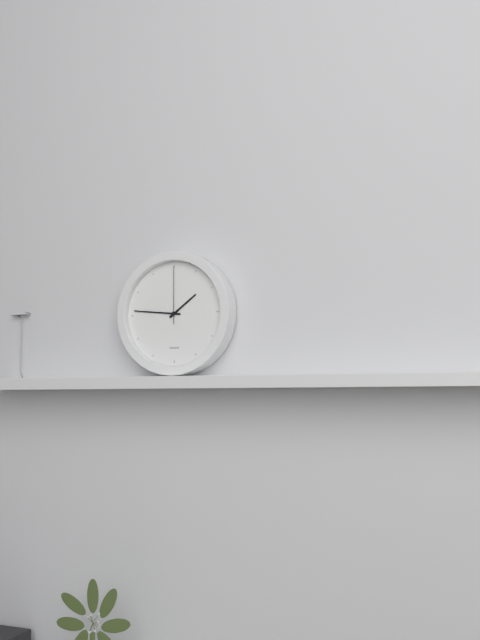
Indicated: 1,46,00
